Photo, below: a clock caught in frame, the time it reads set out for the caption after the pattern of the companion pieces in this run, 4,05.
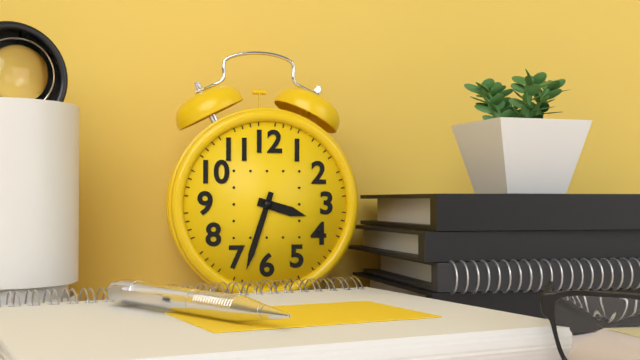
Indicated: 3,33
